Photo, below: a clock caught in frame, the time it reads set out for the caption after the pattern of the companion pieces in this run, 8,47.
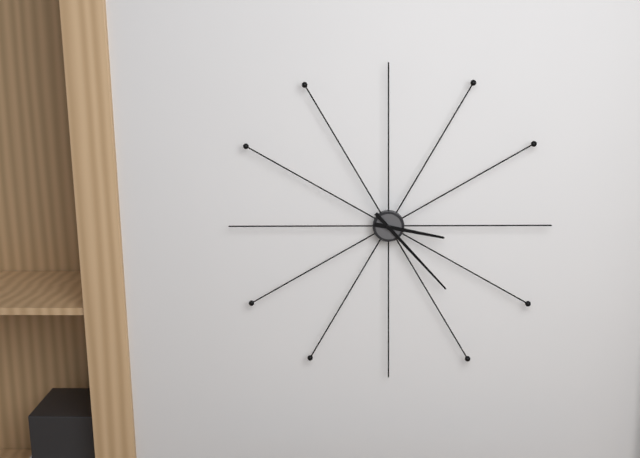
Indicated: 3,23
